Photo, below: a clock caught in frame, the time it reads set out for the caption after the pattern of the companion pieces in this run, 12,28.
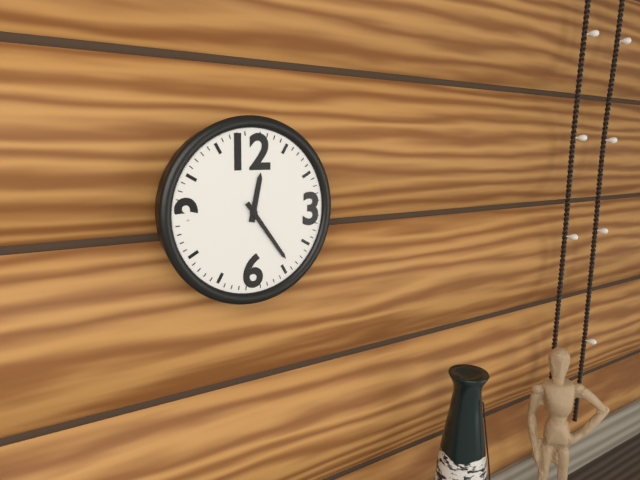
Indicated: 12,24
